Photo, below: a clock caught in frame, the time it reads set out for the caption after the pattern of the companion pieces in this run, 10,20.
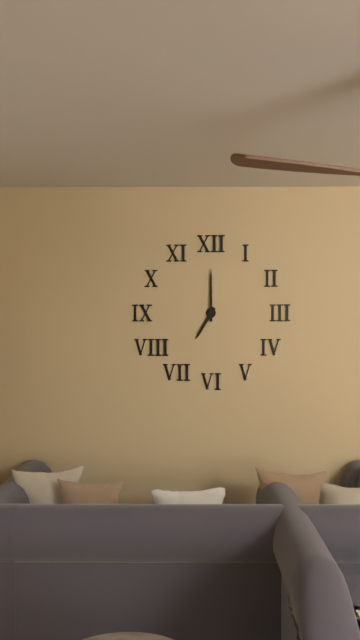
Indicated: 7,00
